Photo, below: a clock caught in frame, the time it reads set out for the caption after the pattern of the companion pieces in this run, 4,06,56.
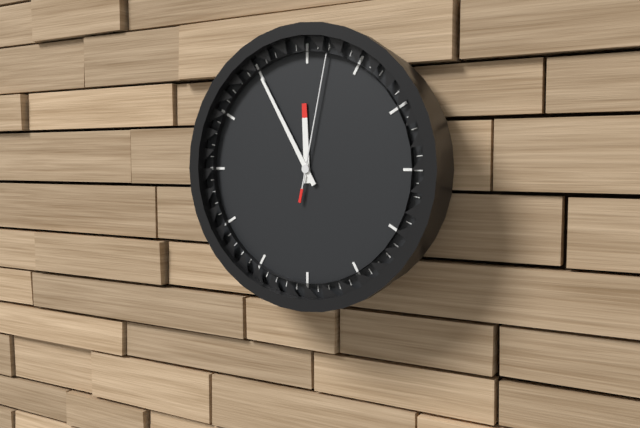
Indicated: 11,55,02
